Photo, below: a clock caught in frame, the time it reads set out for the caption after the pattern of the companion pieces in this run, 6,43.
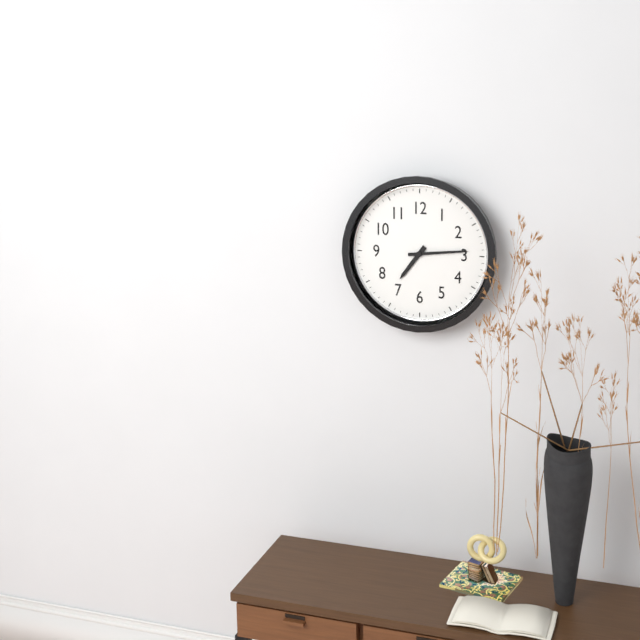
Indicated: 7,14
